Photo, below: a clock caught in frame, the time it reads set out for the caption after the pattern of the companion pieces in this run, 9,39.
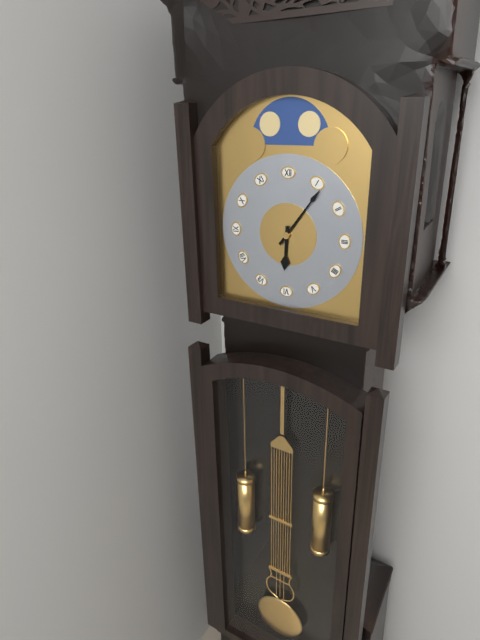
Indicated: 6,06
